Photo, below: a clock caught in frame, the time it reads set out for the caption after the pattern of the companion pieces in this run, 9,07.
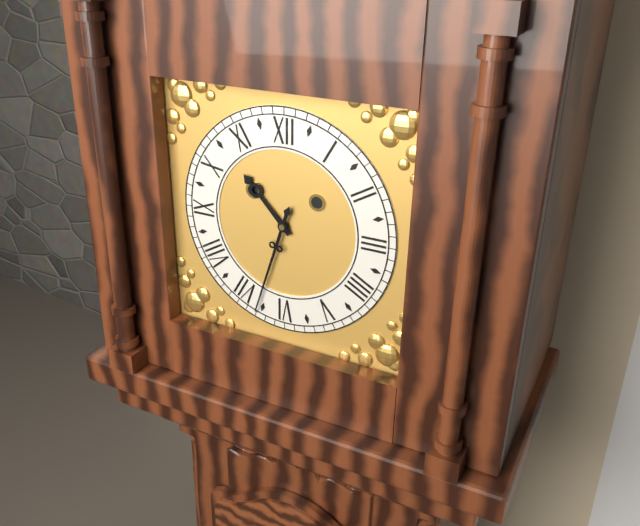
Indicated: 10,33
